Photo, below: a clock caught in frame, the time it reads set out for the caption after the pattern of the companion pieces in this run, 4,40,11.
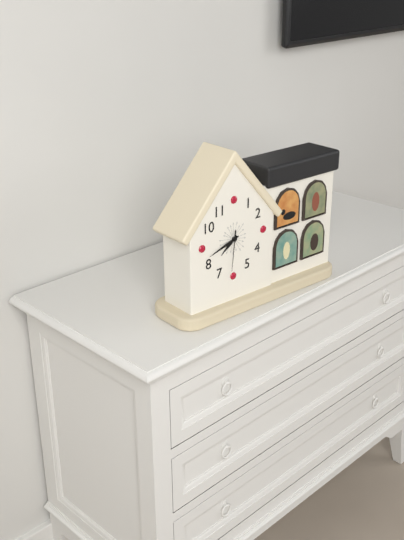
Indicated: 7,42,31
